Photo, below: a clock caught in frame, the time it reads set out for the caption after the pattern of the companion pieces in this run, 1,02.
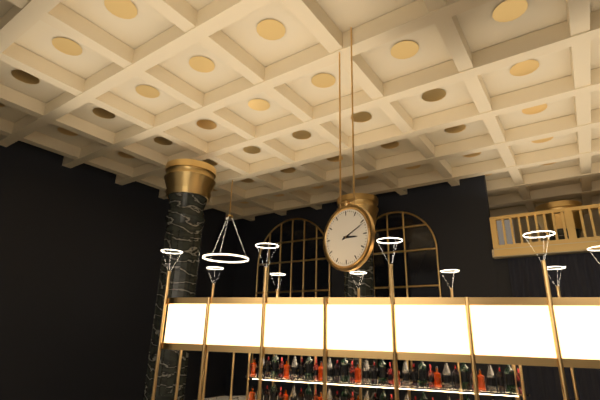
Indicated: 3,11
